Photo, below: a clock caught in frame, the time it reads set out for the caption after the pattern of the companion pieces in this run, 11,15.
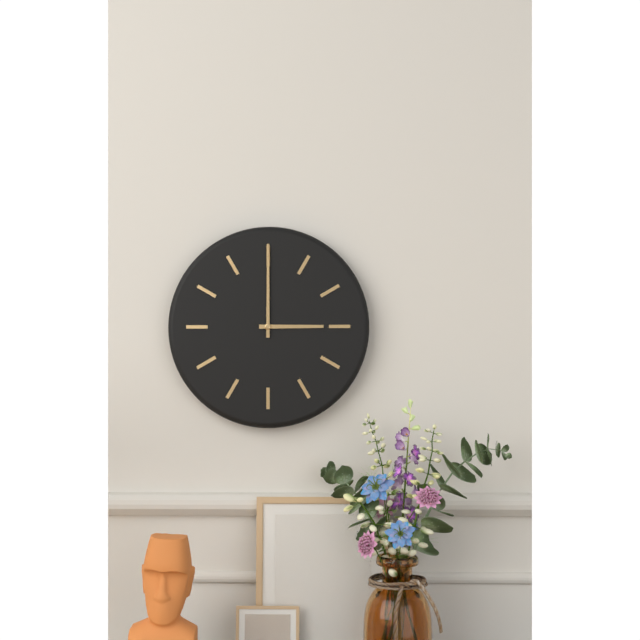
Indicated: 3,00
